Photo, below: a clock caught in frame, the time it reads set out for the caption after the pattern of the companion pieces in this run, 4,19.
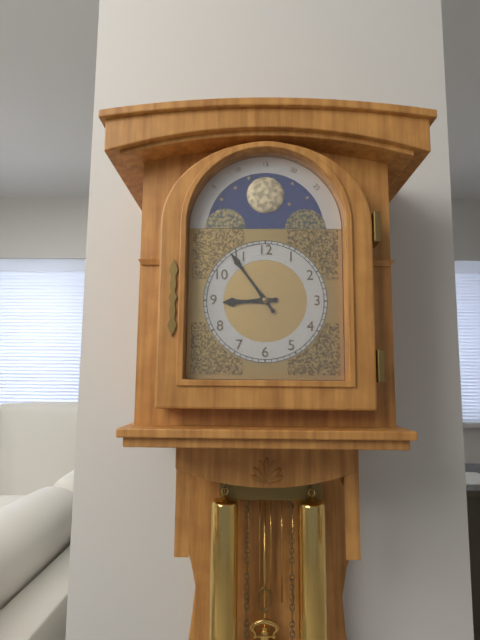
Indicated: 8,54
